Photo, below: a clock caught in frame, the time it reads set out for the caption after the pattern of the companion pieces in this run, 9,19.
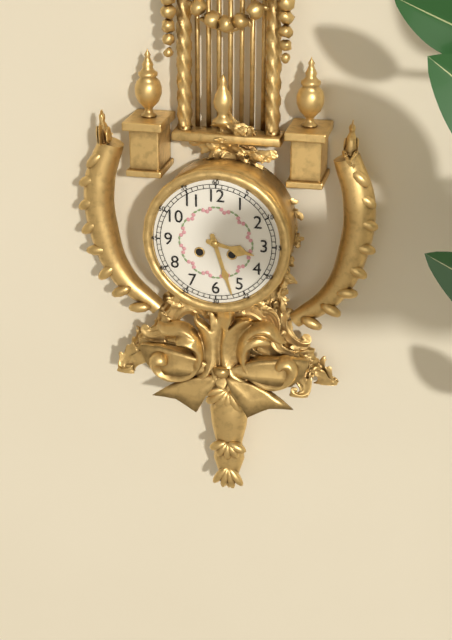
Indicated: 3,27
